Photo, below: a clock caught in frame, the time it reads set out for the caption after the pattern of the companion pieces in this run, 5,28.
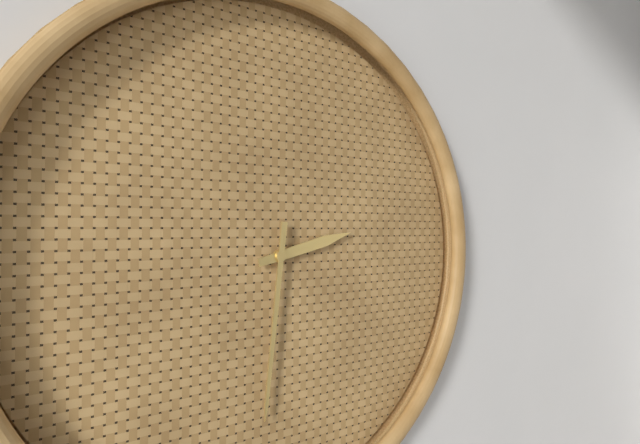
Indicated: 2,31
